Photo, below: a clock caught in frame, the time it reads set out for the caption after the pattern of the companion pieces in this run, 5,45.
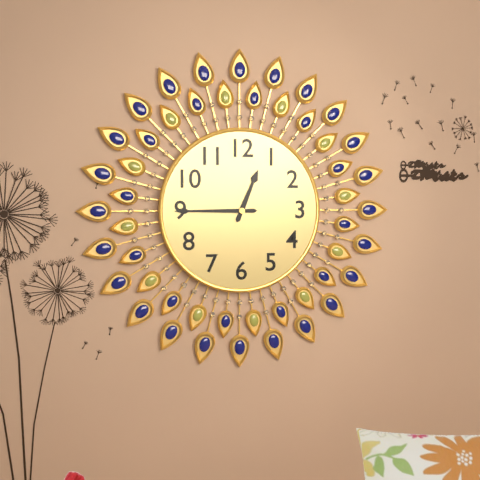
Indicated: 12,45
